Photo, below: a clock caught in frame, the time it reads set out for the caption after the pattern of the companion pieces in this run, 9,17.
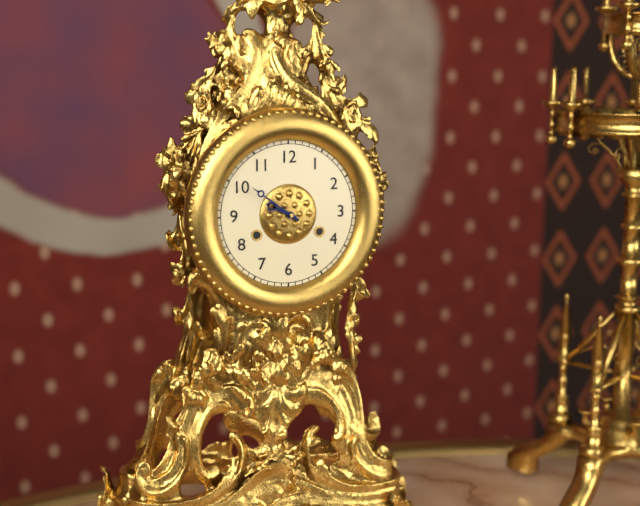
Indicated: 9,51
